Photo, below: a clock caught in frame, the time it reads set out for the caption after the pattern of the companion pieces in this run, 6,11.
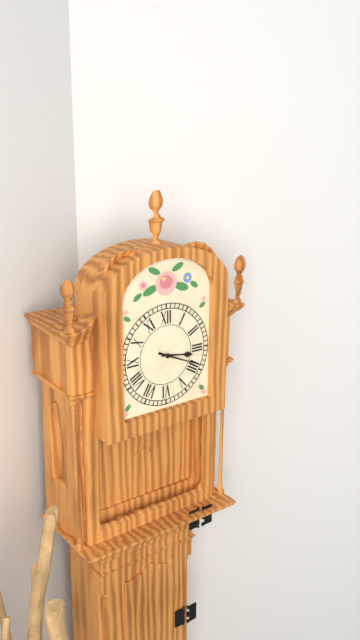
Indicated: 3,19
